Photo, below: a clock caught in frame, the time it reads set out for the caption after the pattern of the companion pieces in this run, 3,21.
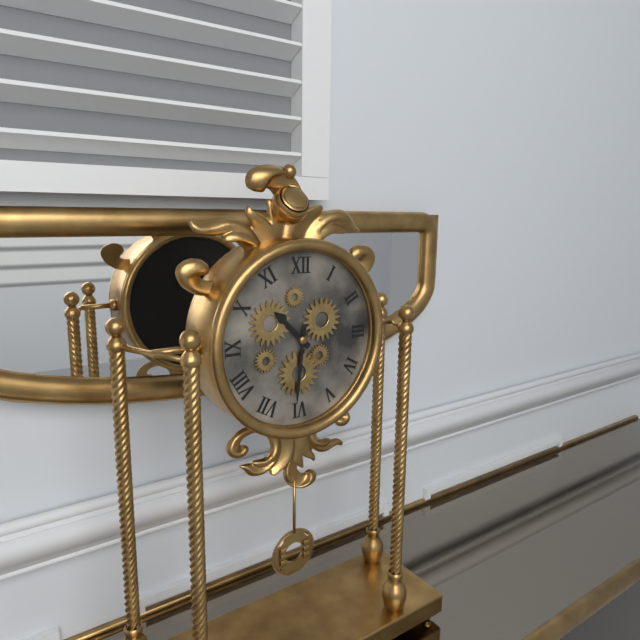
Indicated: 10,31
